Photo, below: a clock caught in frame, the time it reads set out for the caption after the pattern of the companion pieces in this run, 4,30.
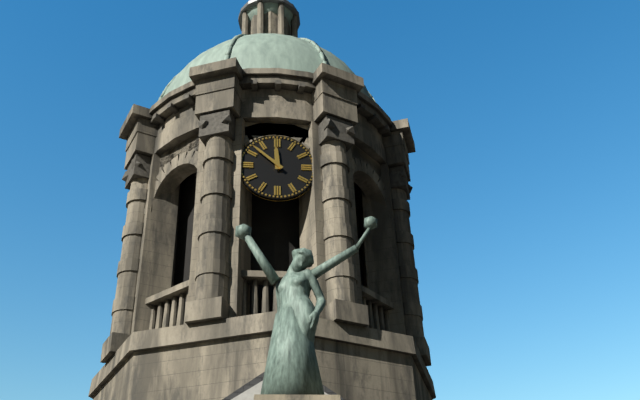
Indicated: 11,52
